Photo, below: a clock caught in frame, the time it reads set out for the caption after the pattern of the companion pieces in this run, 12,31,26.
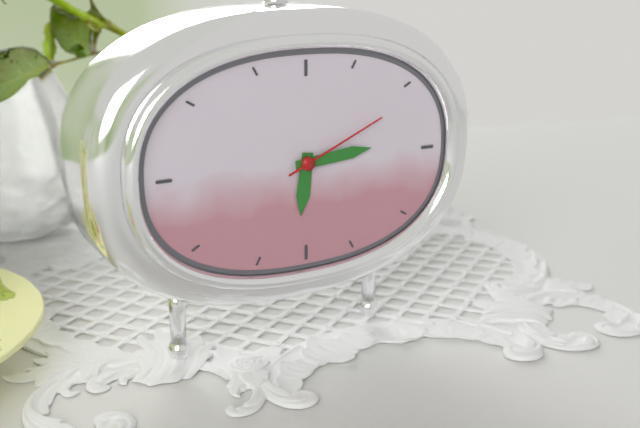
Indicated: 6,14,11
